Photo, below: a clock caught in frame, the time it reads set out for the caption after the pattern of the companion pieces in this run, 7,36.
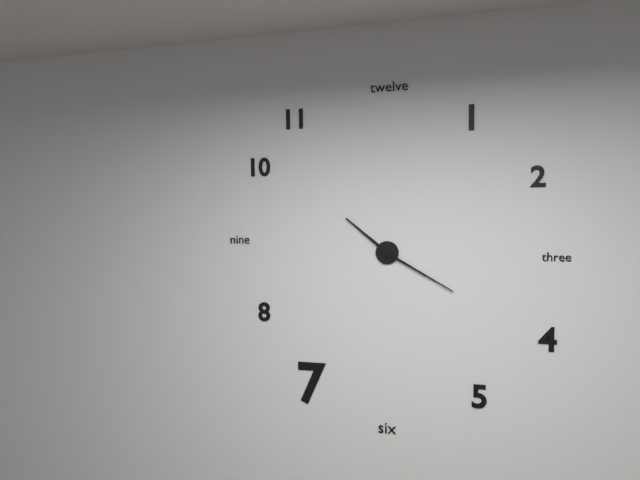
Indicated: 10,20
